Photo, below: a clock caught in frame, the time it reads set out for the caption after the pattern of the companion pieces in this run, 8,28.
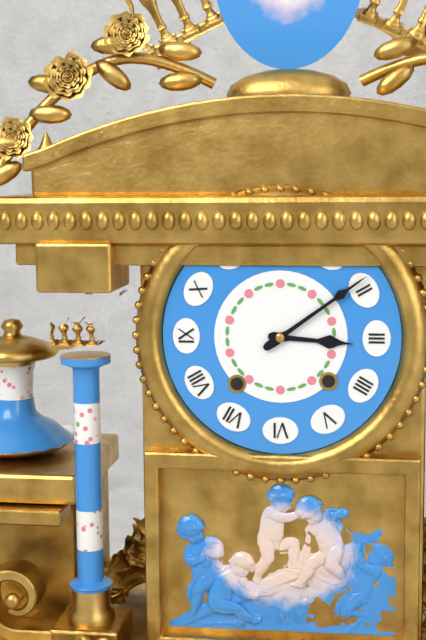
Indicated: 3,09
